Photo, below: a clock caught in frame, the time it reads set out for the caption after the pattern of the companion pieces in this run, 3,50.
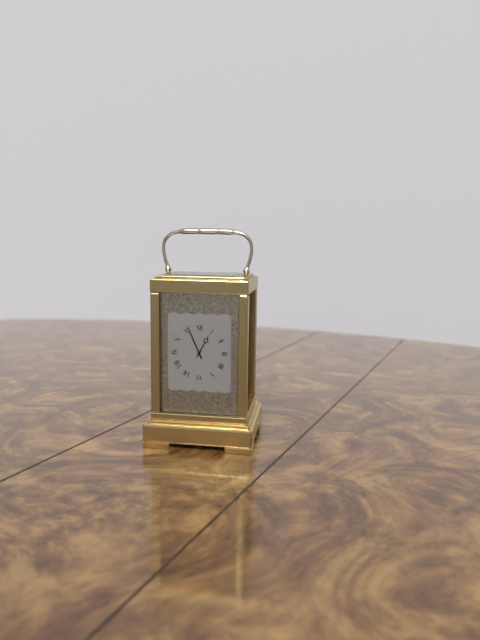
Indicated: 12,56
